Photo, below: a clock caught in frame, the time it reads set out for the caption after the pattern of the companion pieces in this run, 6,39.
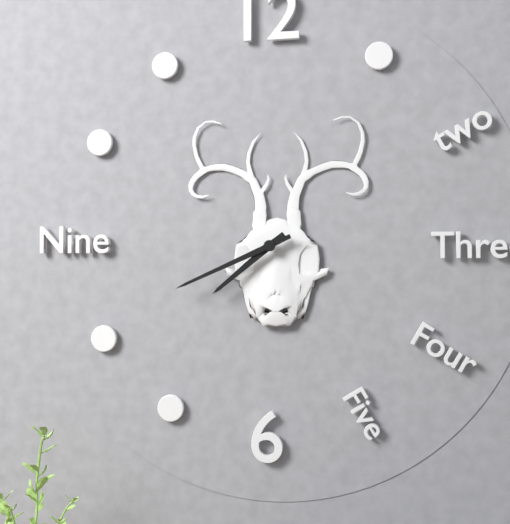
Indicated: 7,41
